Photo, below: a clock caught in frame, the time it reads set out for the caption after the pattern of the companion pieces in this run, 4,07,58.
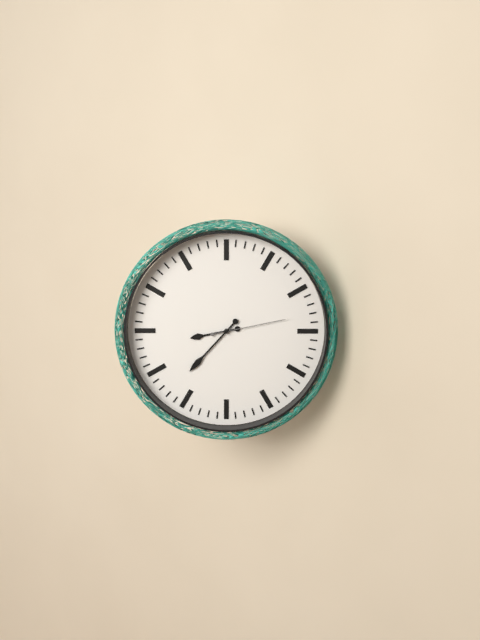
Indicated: 8,37,13
